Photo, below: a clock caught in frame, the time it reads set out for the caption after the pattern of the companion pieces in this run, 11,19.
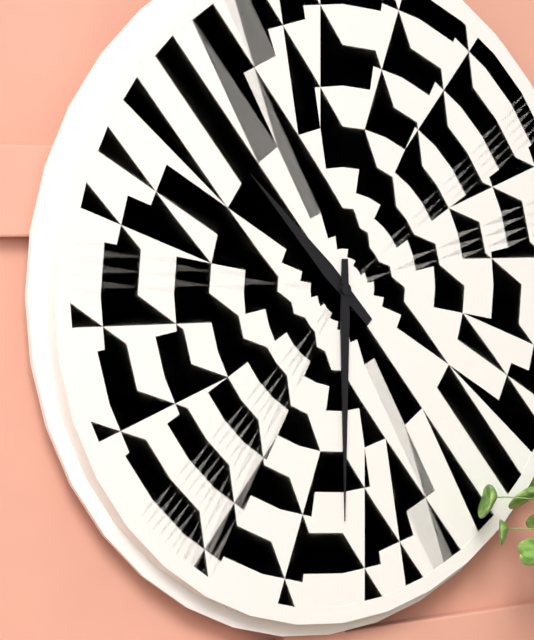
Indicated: 10,30
